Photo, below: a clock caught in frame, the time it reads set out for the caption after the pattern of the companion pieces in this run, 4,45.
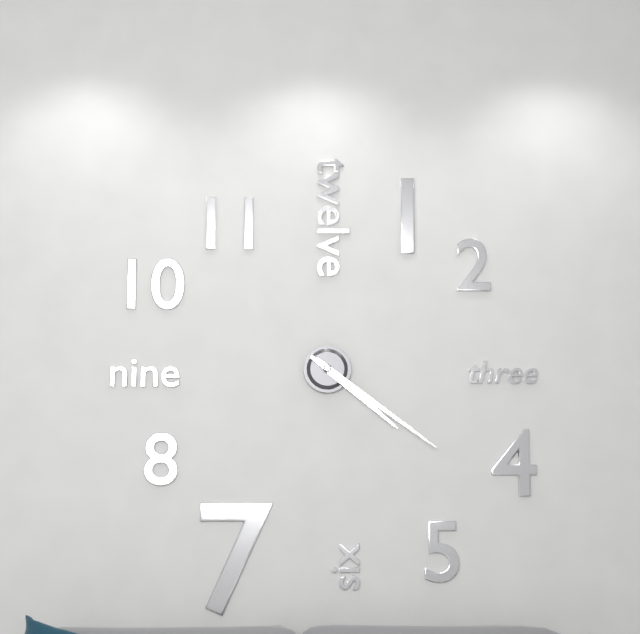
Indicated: 4,21
